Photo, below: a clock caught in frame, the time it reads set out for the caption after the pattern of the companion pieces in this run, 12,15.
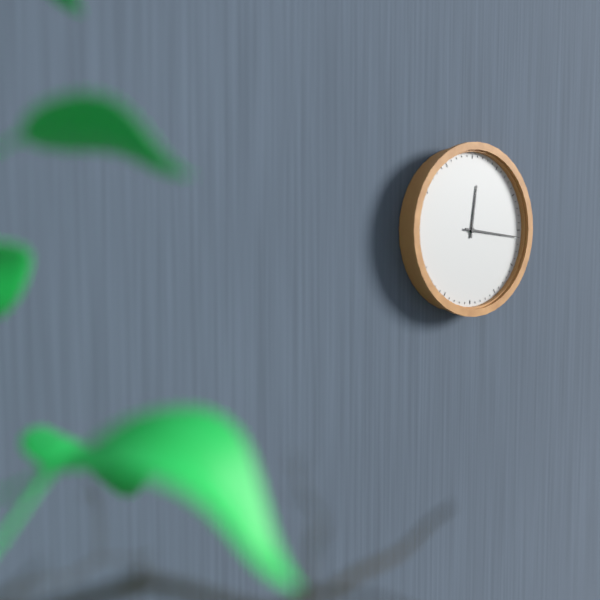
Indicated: 12,16
